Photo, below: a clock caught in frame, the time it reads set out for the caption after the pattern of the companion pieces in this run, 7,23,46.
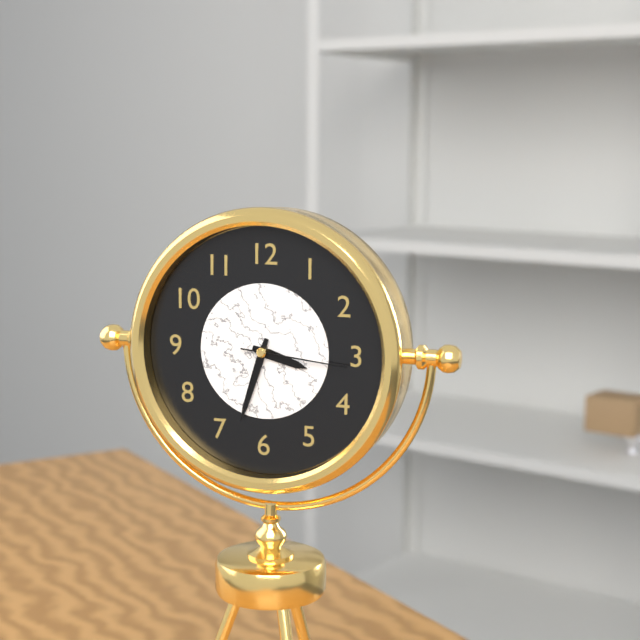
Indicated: 3,33,16
